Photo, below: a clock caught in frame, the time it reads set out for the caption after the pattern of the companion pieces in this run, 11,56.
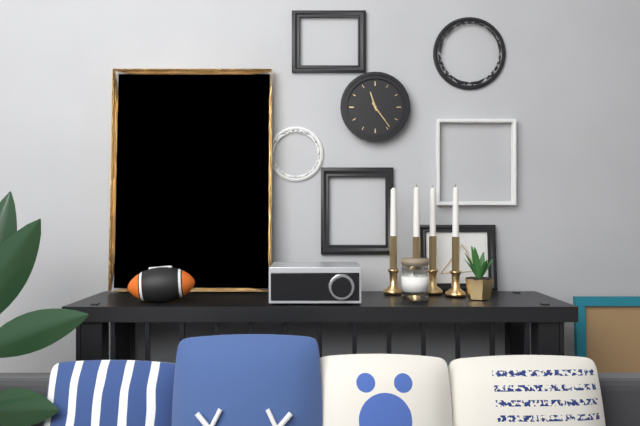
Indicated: 11,24
